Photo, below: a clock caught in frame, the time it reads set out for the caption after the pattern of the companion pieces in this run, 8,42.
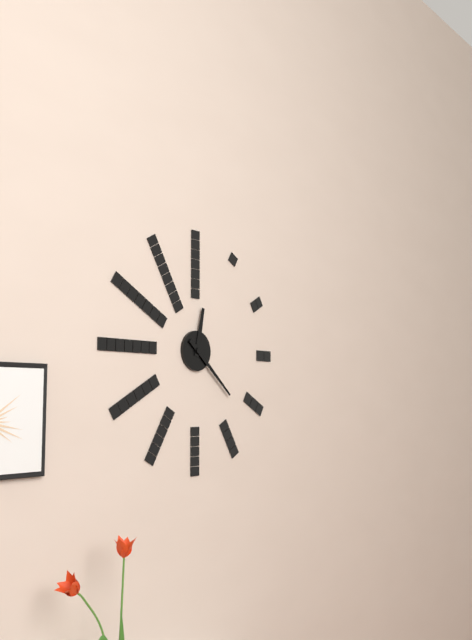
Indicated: 12,22
